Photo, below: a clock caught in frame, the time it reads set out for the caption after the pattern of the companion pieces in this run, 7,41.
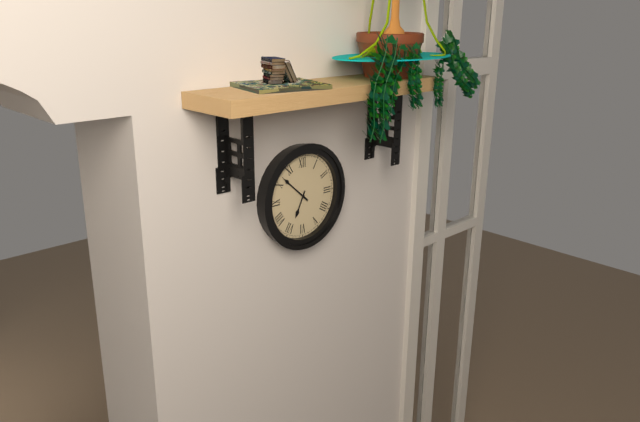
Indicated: 6,52
